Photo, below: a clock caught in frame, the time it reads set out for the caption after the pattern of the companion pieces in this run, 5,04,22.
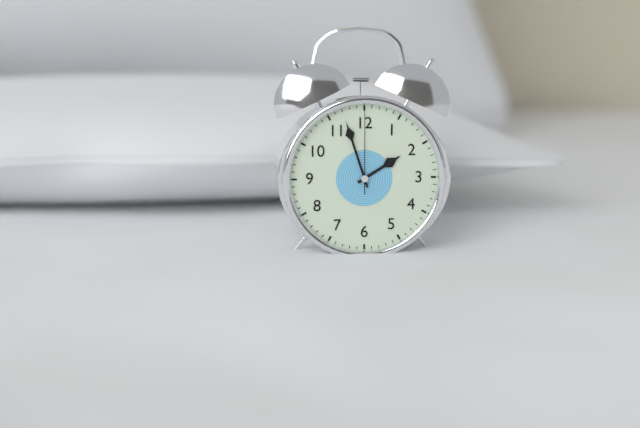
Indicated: 1,57,00
